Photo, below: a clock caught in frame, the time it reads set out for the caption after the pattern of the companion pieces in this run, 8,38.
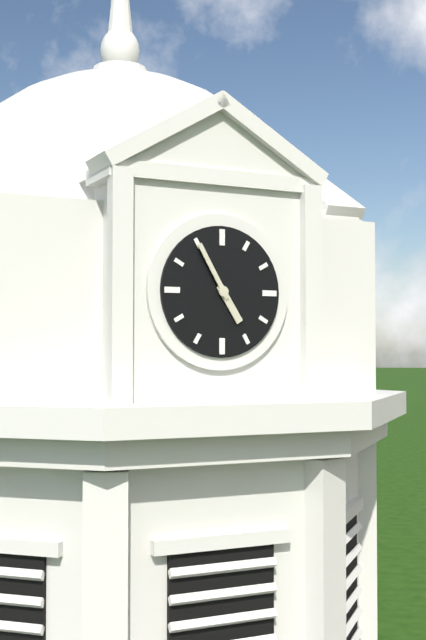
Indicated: 4,55
